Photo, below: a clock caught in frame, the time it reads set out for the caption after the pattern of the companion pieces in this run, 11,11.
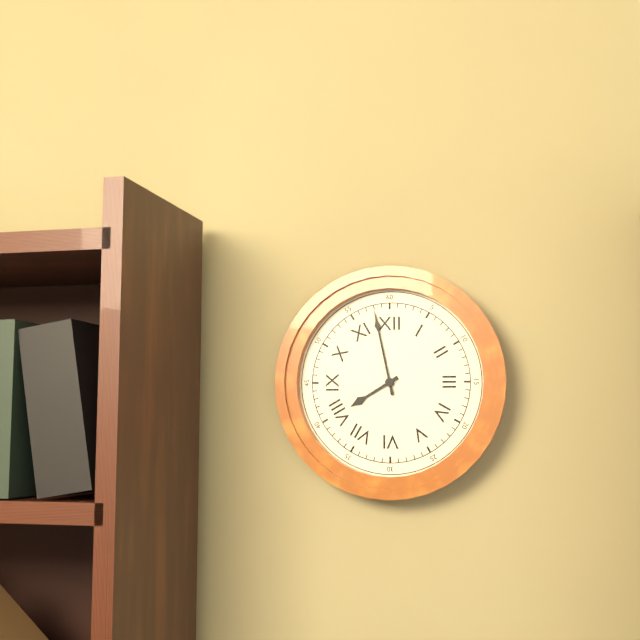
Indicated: 7,58
